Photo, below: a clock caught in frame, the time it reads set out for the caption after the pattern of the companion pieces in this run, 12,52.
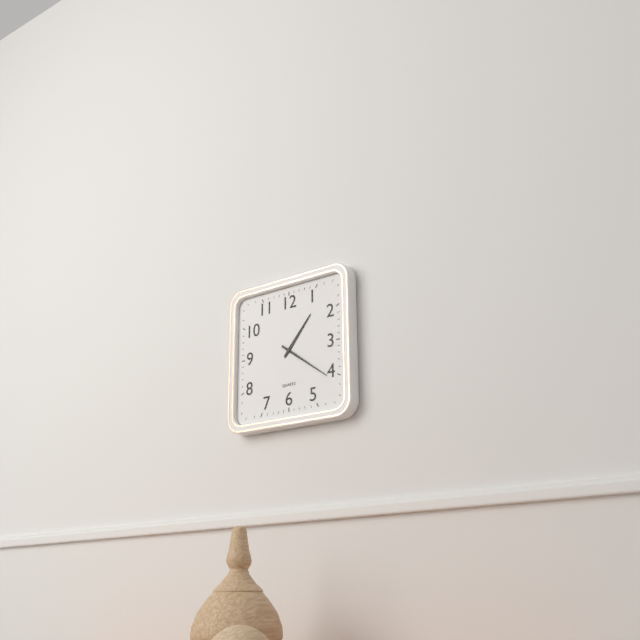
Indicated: 1,21
